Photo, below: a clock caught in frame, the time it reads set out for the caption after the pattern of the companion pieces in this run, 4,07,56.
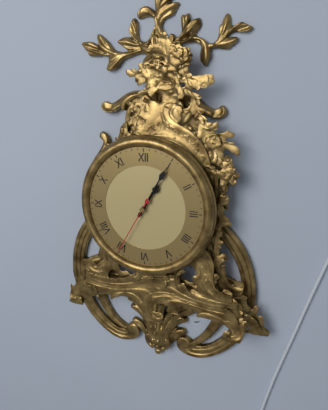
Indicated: 1,05,35
